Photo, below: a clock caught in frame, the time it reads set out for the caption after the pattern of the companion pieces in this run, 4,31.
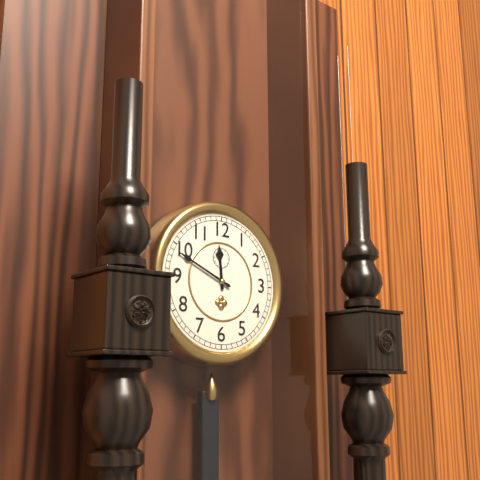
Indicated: 11,49
